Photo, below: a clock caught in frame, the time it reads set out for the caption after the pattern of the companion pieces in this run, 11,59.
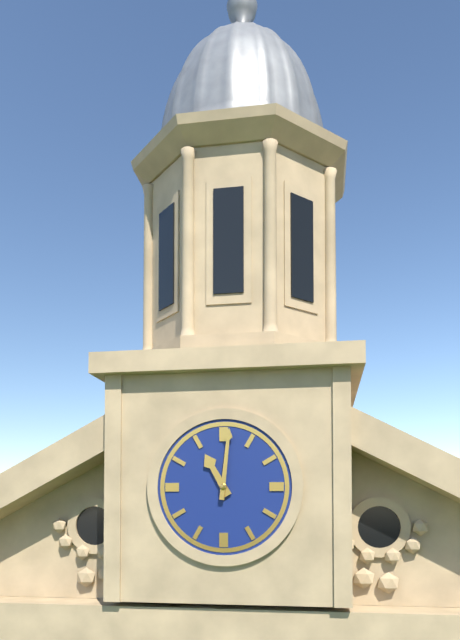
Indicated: 11,01
